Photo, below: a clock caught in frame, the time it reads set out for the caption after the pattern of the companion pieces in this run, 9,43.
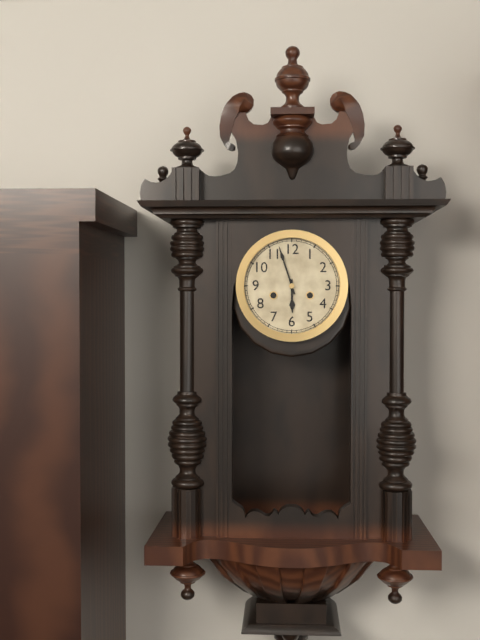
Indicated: 5,57
